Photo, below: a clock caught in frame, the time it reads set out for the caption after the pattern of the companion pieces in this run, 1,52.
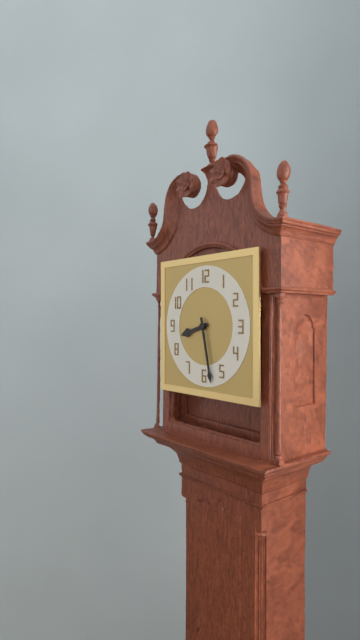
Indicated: 8,28
